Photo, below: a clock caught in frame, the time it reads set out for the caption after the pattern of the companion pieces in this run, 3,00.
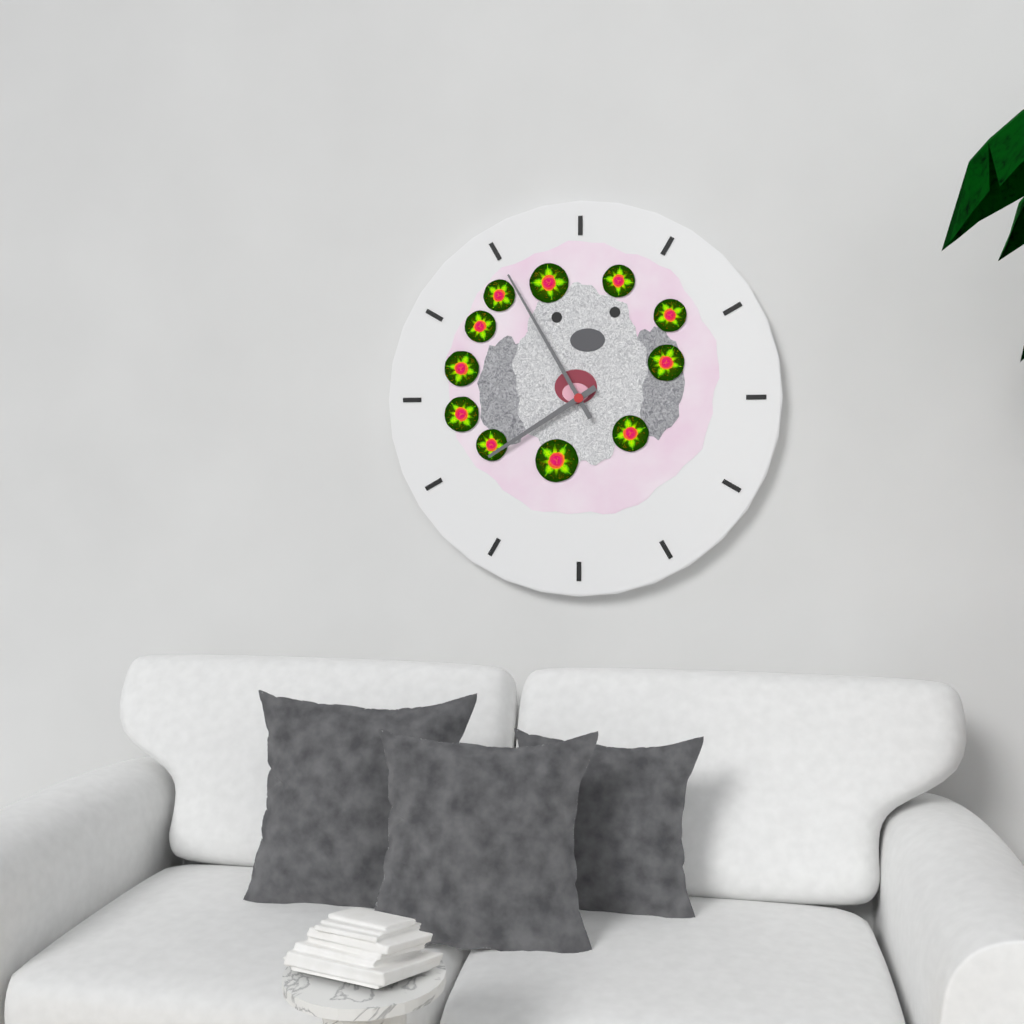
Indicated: 7,55
